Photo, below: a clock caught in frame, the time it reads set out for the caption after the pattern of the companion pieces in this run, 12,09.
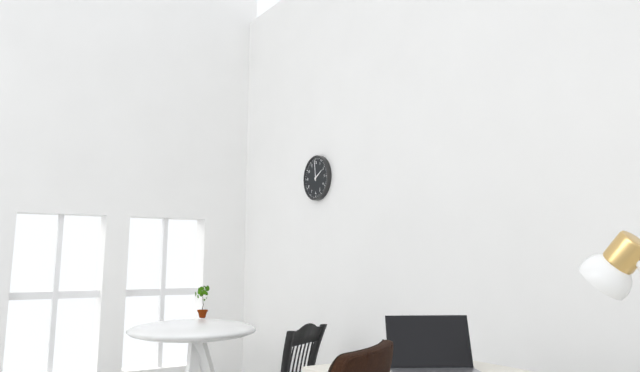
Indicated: 1,59
